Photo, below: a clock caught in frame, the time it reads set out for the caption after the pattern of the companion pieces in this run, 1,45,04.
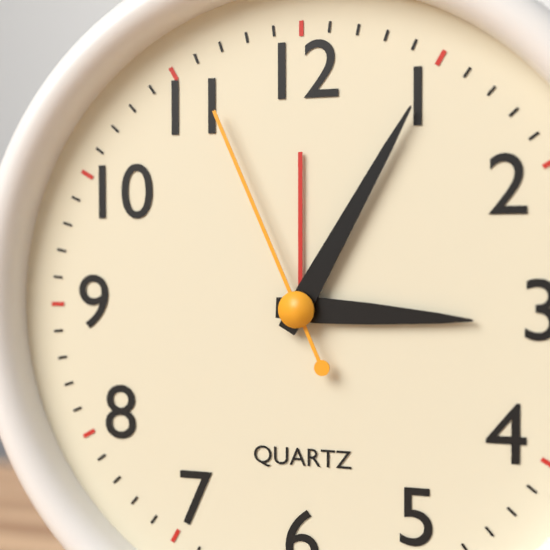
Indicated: 3,05,56
